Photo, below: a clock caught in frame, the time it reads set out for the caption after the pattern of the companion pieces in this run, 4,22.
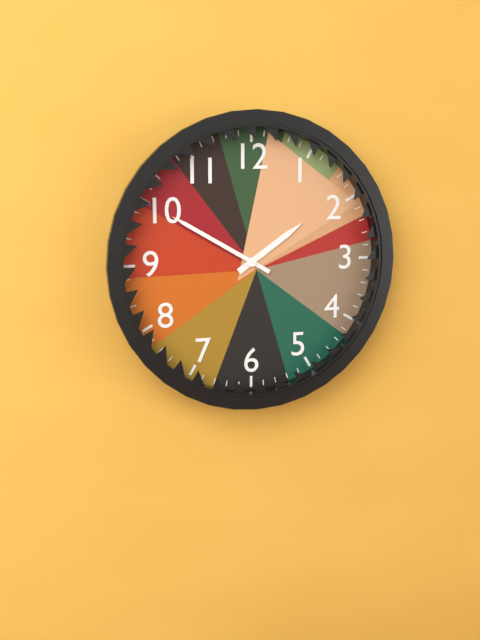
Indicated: 1,50
